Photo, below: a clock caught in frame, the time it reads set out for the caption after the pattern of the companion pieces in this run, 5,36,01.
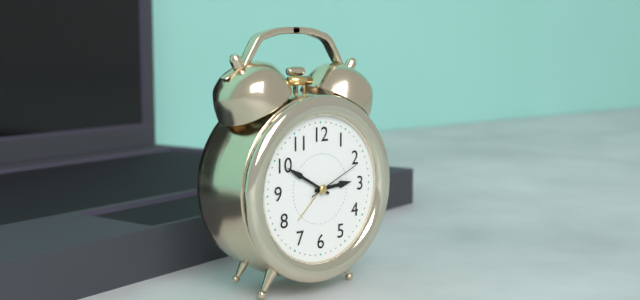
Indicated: 2,50,11
